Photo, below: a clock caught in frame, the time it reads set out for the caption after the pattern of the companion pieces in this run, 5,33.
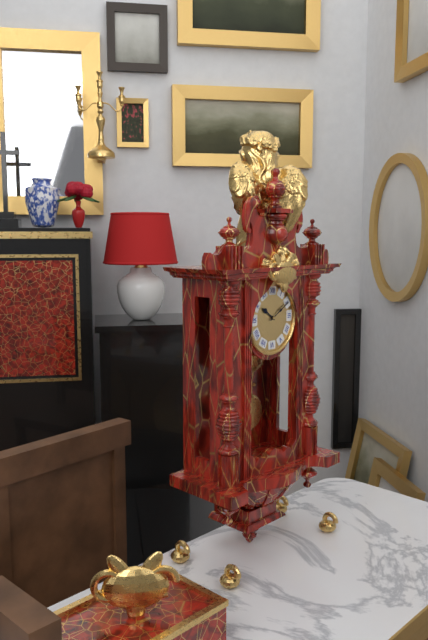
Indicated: 10,10
